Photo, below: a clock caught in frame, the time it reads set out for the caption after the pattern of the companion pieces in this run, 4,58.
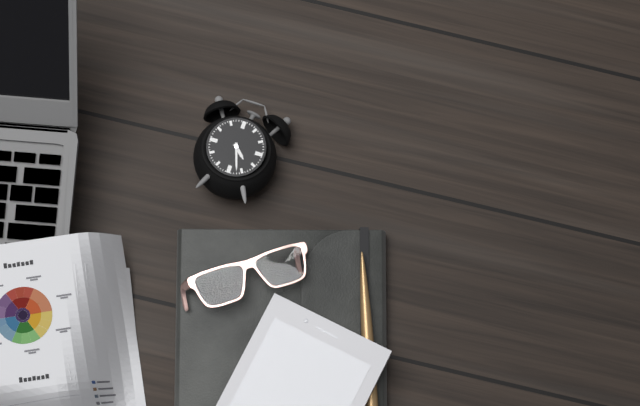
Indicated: 4,27
